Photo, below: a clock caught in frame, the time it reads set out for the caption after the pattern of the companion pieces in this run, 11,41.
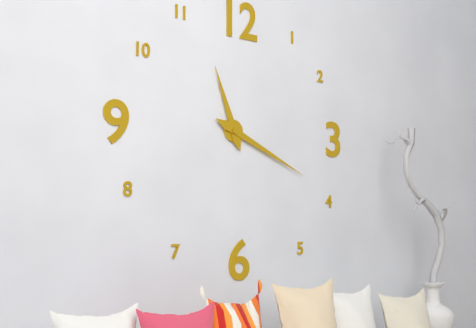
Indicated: 11,19
